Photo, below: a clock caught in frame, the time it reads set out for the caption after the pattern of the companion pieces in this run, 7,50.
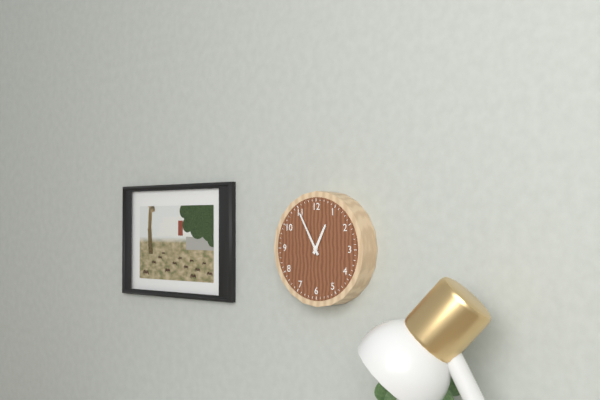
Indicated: 12,55
